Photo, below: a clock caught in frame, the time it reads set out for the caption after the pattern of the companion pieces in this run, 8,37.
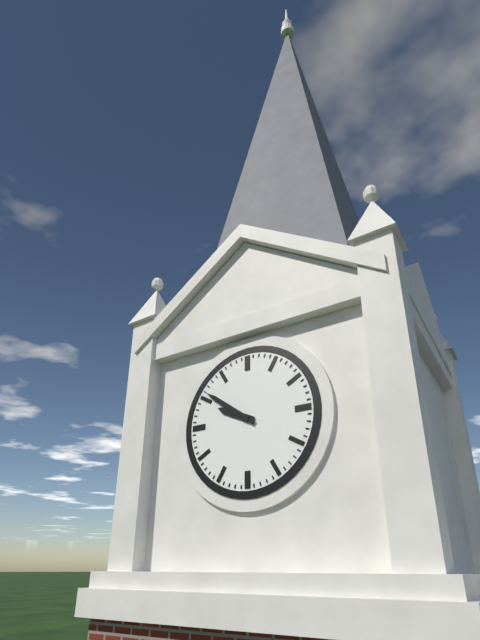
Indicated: 9,51
